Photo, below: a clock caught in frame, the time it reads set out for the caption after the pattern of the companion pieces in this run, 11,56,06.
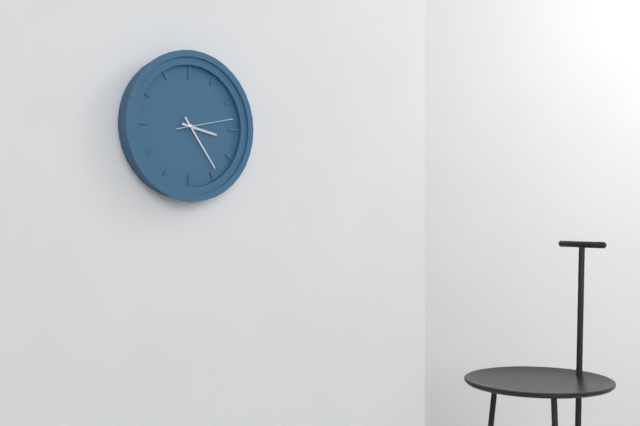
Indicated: 3,24,13
